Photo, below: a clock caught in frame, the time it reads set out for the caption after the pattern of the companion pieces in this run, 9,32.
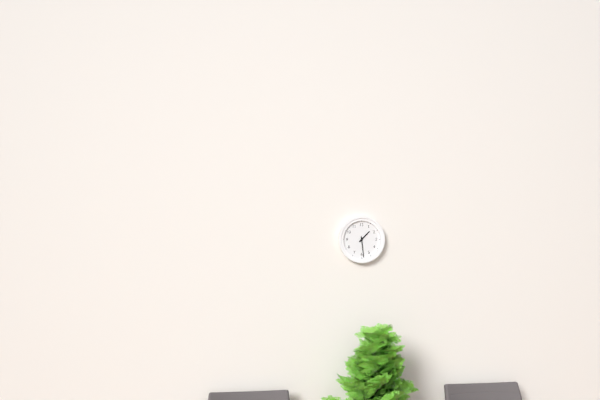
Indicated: 1,29
